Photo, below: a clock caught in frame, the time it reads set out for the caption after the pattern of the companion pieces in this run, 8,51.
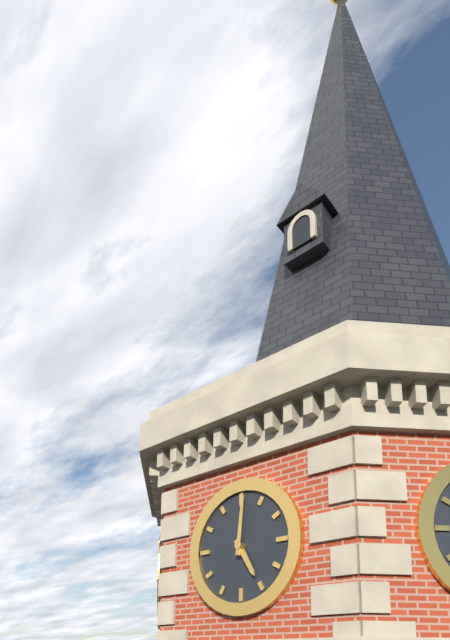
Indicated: 5,01
